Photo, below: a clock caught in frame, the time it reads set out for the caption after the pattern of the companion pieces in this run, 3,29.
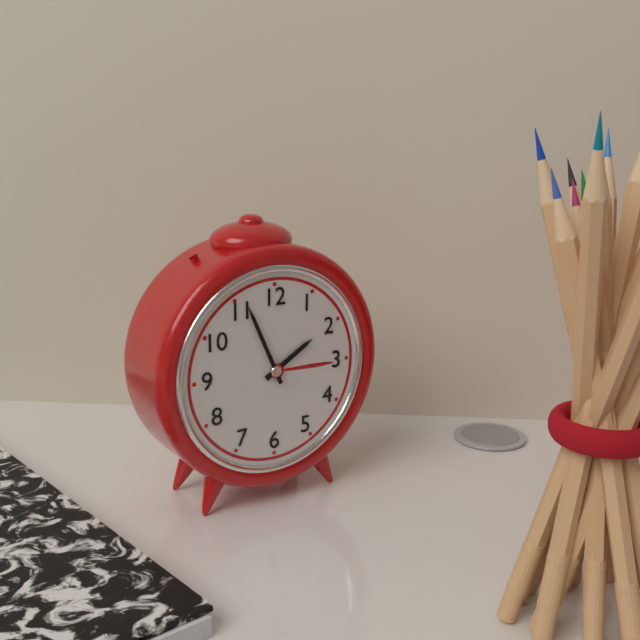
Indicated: 1,56
